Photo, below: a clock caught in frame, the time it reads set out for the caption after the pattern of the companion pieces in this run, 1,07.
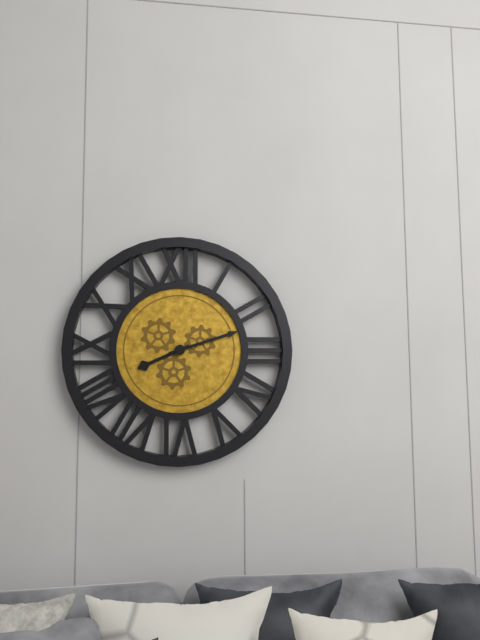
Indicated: 8,12
